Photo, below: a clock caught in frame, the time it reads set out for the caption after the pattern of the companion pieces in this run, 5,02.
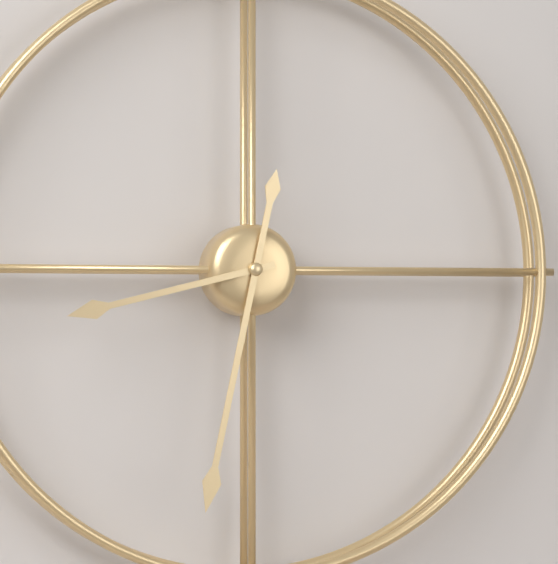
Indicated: 8,32
